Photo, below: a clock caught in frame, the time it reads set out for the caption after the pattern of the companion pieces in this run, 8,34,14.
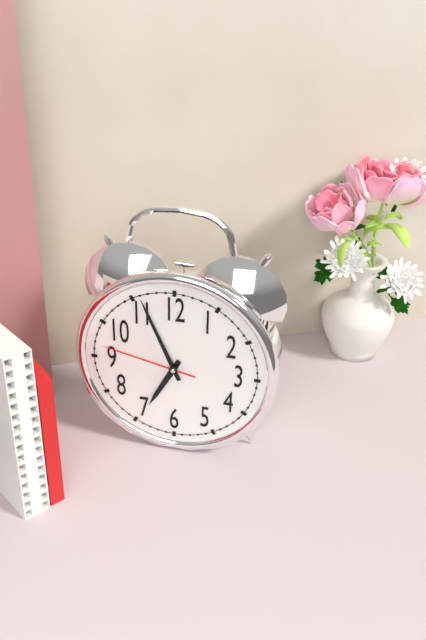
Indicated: 6,56,47
